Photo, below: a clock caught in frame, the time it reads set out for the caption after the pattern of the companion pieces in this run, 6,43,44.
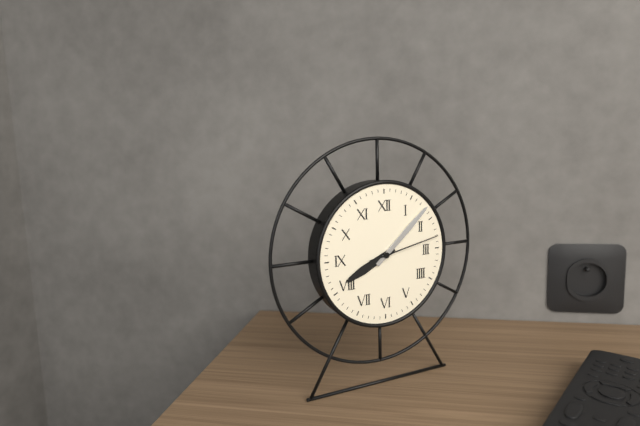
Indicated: 8,08,13
